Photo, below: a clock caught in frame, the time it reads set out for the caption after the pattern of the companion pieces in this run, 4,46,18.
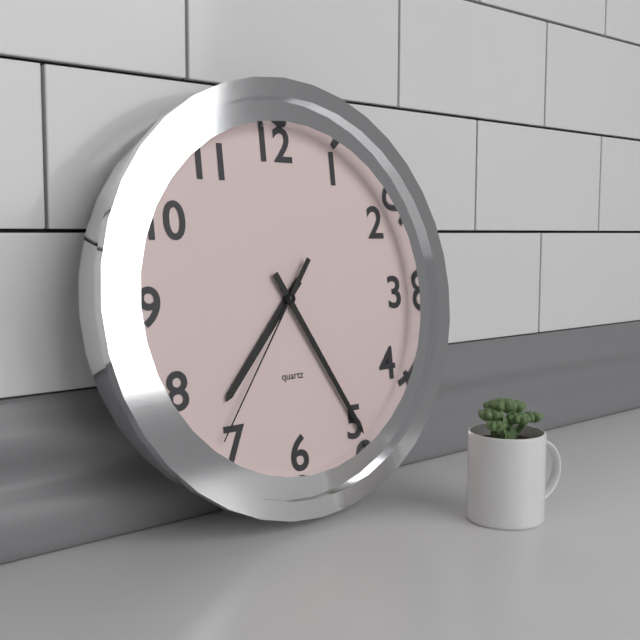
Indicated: 7,25,36
